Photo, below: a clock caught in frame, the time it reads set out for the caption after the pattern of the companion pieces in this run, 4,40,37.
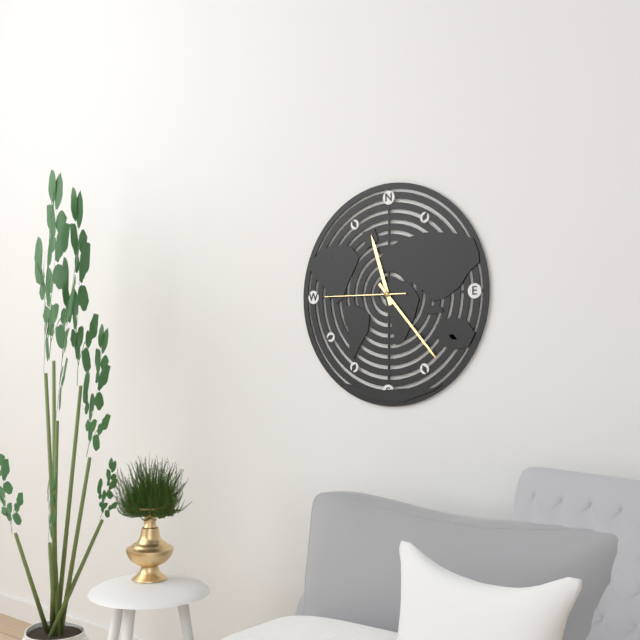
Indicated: 11,23,45
